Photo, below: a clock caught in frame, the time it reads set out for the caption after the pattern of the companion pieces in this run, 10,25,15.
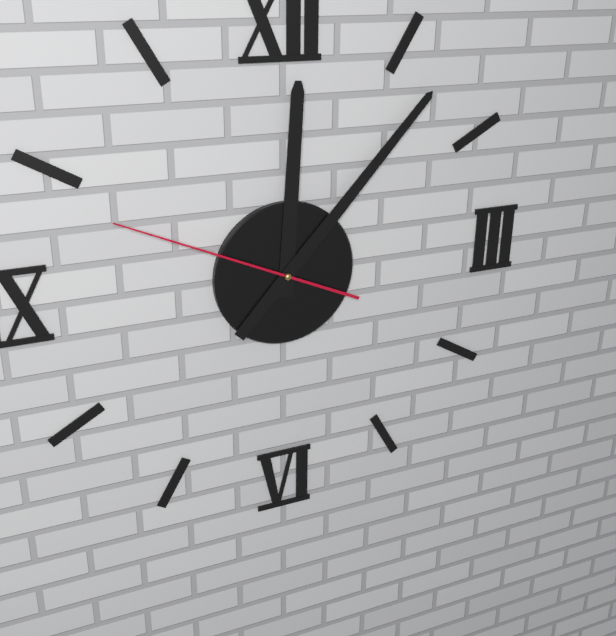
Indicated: 12,07,49
